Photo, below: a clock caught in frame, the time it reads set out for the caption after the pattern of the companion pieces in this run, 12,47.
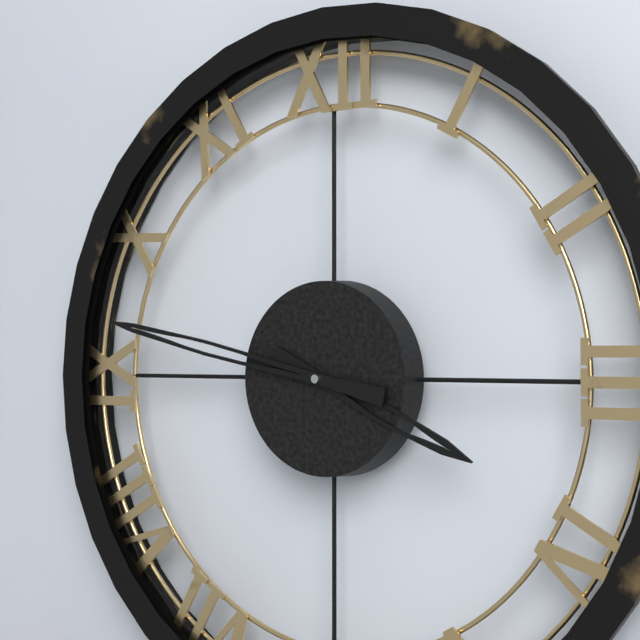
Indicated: 3,47
